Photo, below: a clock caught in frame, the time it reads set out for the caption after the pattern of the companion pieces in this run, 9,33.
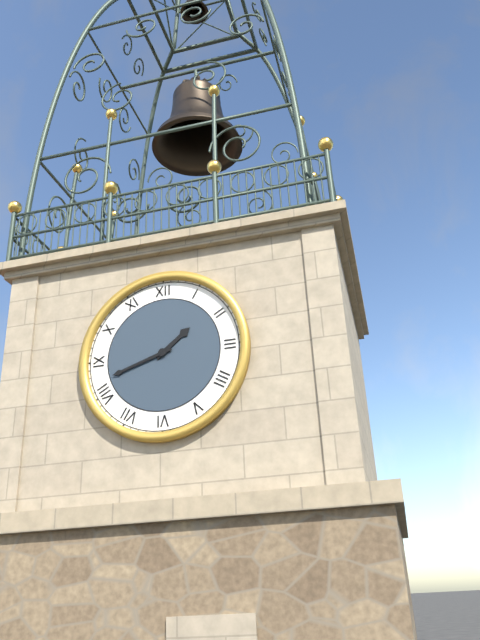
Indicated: 1,42
